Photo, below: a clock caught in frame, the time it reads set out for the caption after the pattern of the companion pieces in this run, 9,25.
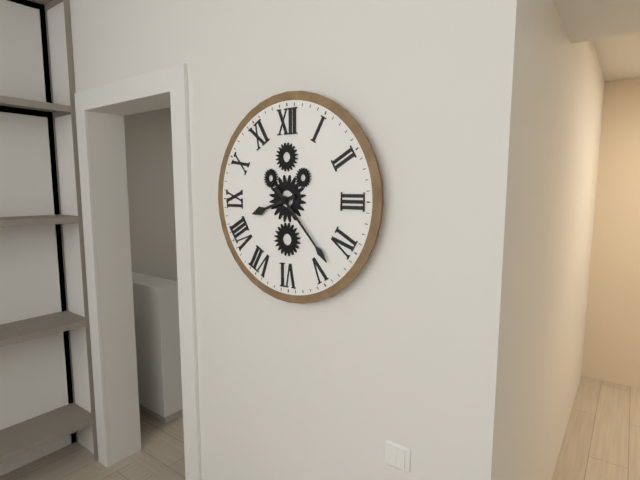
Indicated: 8,23
